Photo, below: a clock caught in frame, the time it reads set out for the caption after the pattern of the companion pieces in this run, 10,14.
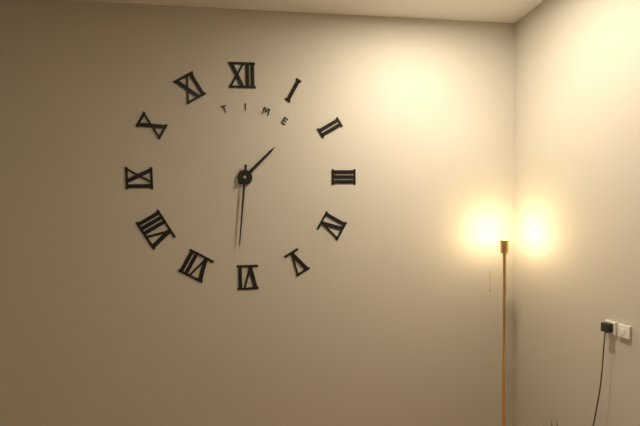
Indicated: 1,31
